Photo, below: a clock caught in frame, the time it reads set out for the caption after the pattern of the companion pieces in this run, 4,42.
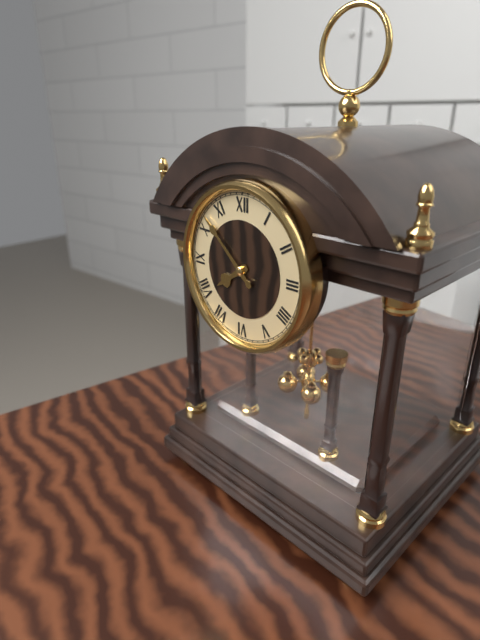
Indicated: 7,52
